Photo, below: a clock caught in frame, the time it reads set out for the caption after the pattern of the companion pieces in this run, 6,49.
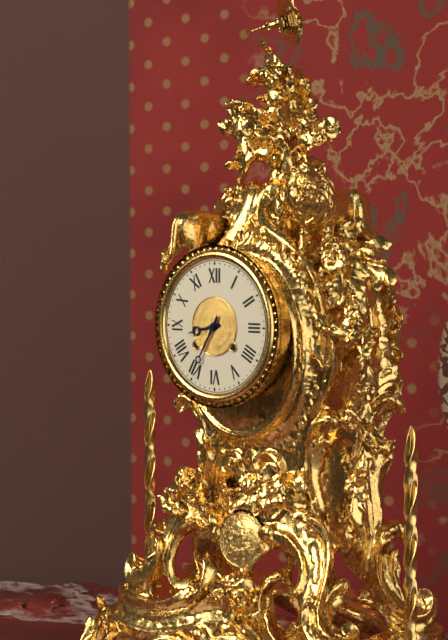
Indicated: 8,35
